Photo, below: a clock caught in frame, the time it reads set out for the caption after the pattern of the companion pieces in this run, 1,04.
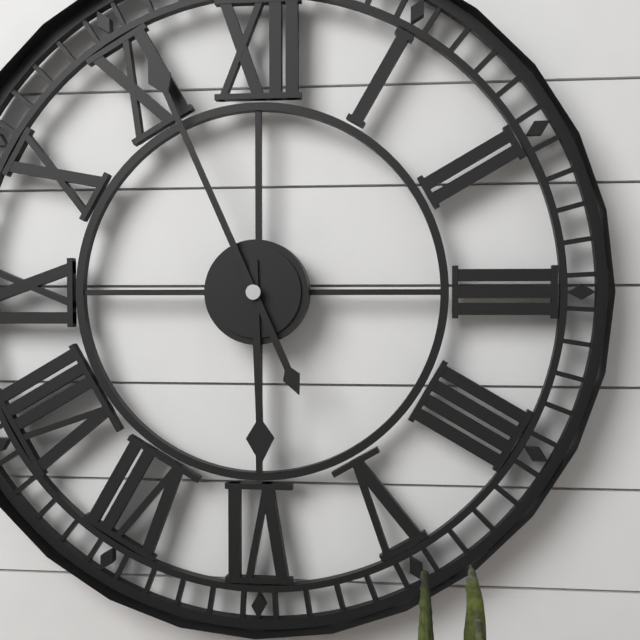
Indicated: 5,56
